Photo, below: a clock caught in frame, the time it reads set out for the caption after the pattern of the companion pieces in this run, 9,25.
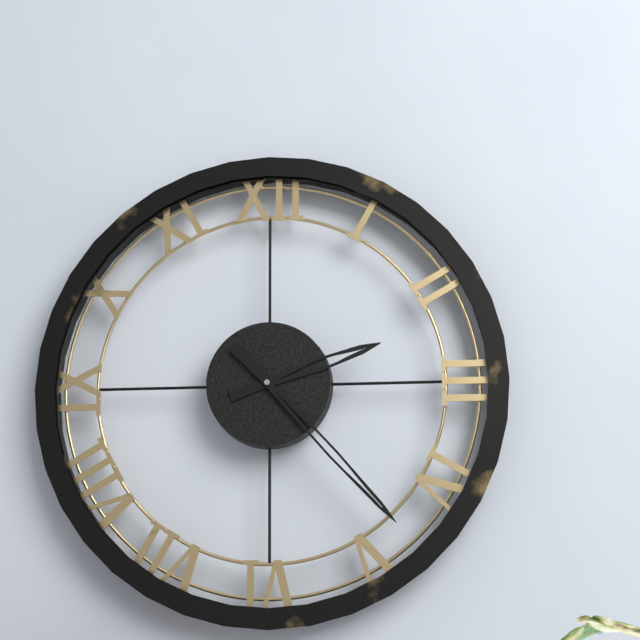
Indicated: 2,23
